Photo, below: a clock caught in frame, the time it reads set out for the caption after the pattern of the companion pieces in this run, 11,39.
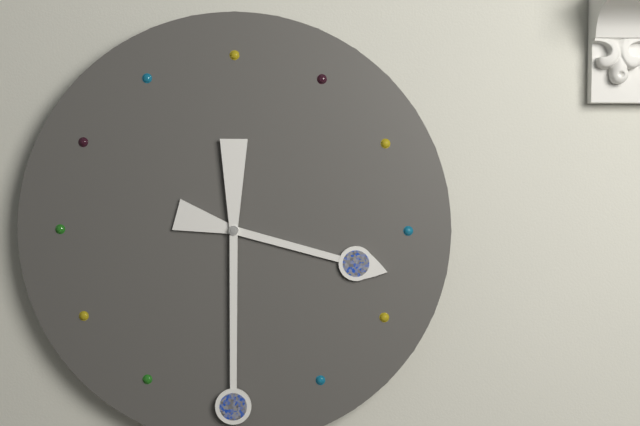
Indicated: 3,30
